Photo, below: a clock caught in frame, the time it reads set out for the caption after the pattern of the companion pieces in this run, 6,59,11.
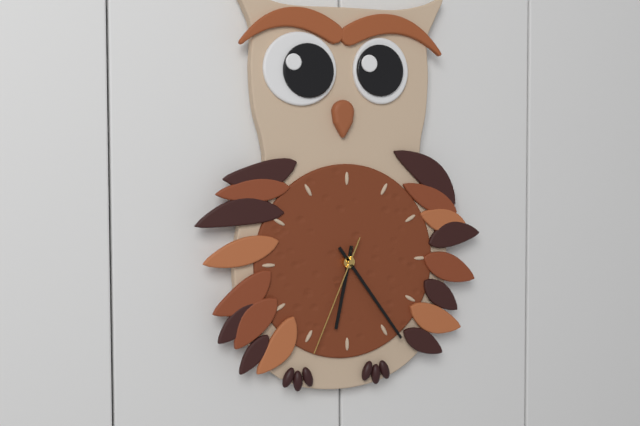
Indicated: 6,24,34
